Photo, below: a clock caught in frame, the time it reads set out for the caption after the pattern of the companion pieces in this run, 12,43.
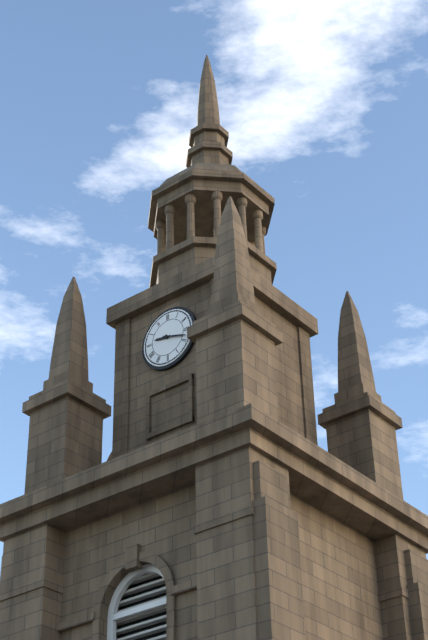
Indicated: 9,18
